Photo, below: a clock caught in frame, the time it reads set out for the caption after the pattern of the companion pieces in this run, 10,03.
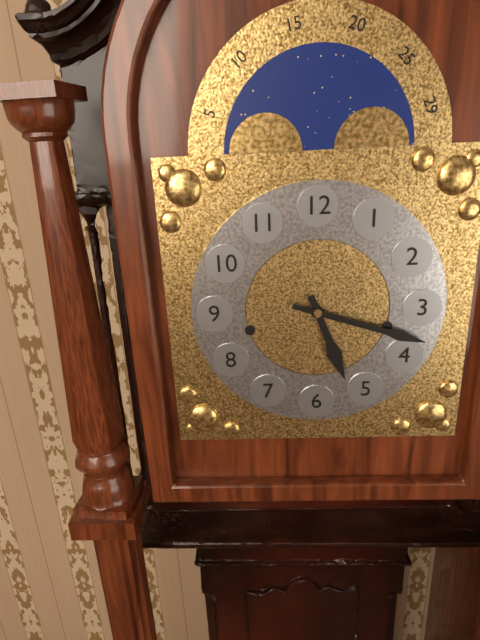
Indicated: 5,18
